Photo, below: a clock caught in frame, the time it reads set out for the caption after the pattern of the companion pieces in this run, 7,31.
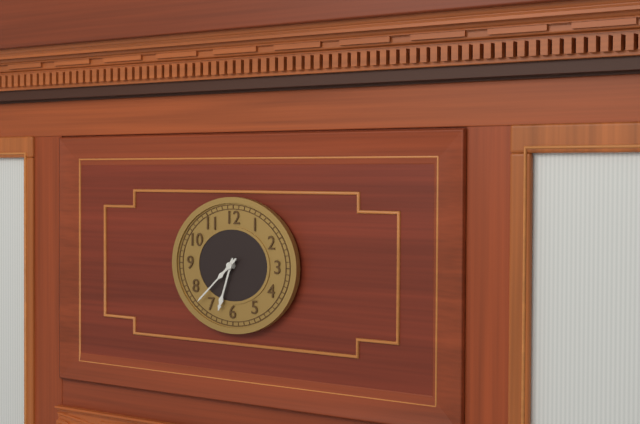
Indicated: 6,38
